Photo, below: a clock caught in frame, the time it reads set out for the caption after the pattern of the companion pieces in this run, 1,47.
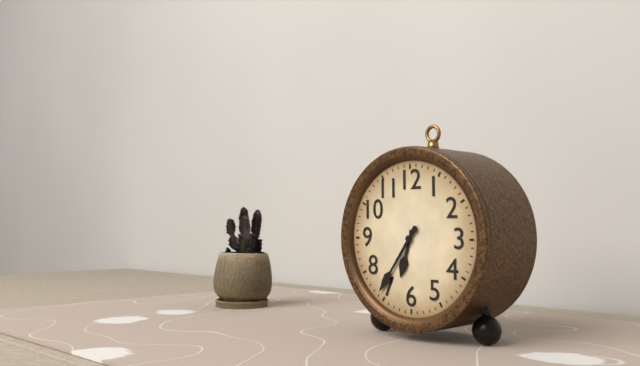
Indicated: 6,36
